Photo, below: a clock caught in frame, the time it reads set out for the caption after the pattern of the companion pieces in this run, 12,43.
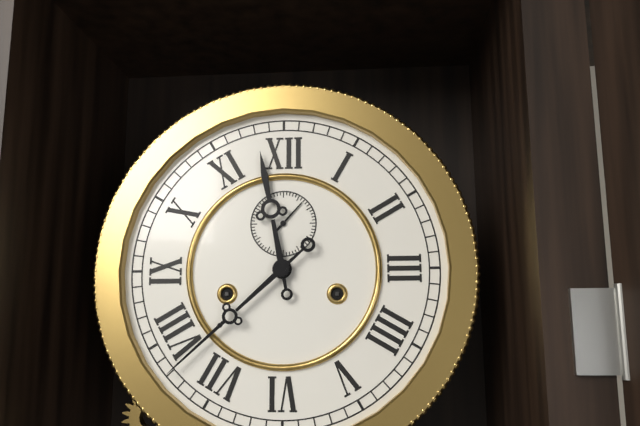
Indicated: 11,38
